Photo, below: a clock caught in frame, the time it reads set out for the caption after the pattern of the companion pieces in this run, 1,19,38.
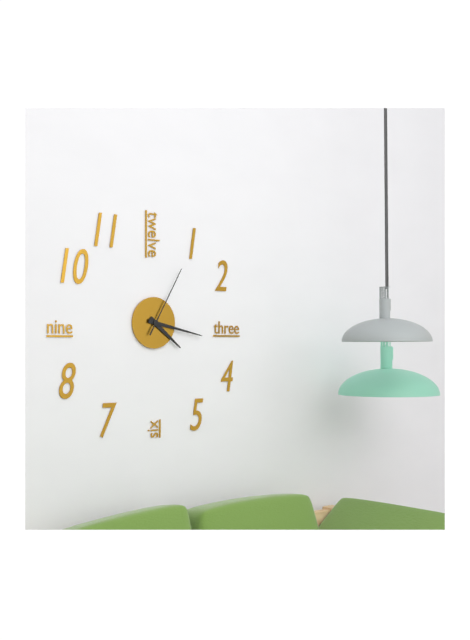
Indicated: 4,17,05
